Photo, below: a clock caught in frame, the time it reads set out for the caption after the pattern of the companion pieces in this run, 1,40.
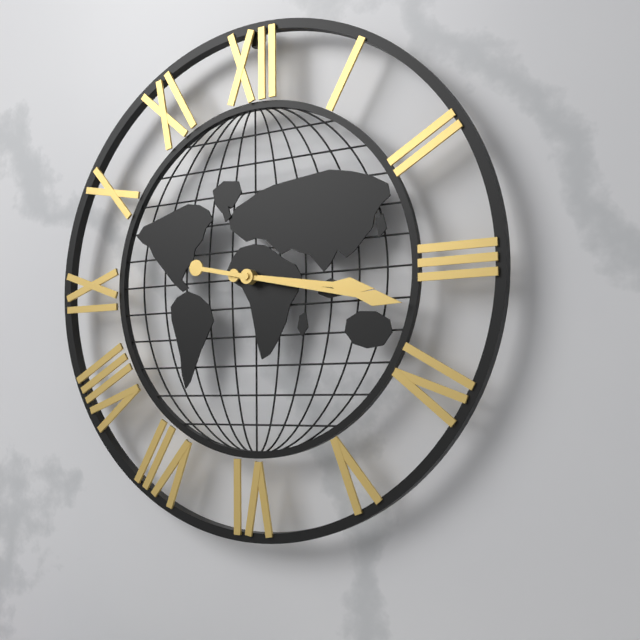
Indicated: 3,17
